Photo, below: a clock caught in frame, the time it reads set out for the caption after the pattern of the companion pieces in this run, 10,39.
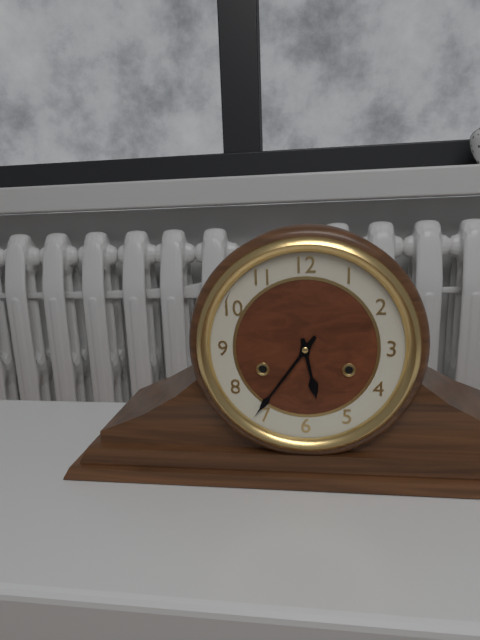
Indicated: 5,36
